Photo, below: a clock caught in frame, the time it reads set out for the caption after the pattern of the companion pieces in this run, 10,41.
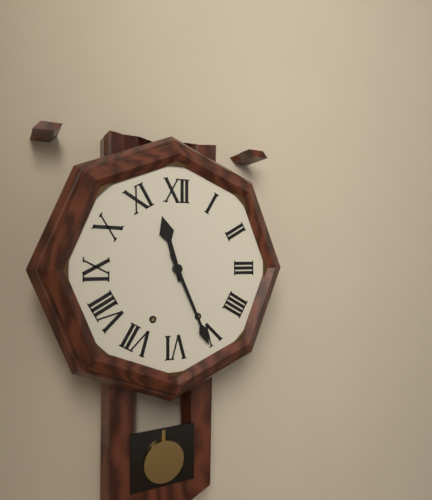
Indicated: 11,26
